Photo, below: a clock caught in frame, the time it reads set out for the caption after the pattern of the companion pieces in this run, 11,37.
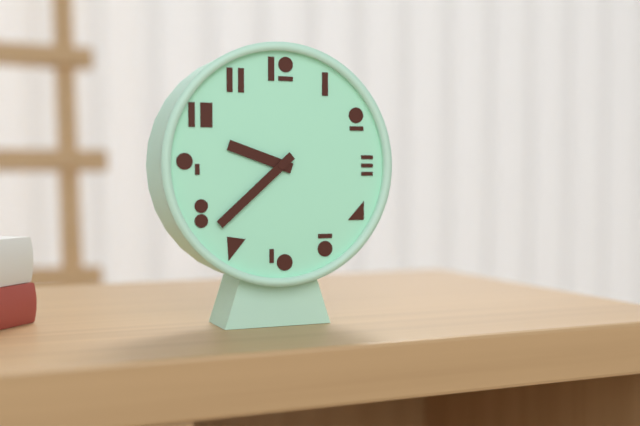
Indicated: 9,38
